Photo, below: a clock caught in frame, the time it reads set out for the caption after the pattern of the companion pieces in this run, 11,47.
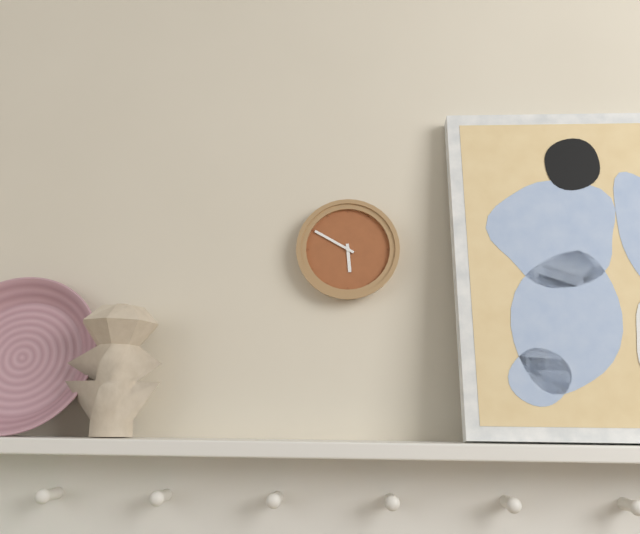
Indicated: 5,50
